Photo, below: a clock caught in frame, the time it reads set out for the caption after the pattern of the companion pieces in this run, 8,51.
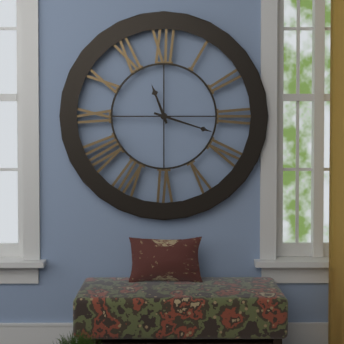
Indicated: 11,18
